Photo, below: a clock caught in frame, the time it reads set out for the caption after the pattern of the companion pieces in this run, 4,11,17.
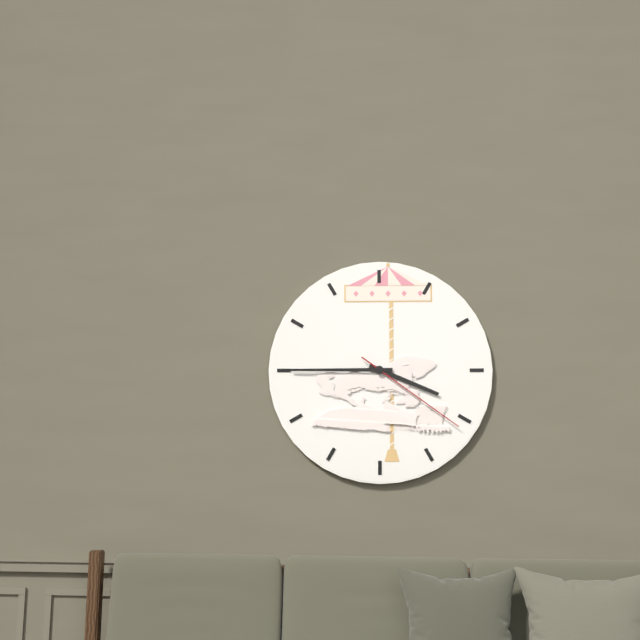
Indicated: 3,45,21
